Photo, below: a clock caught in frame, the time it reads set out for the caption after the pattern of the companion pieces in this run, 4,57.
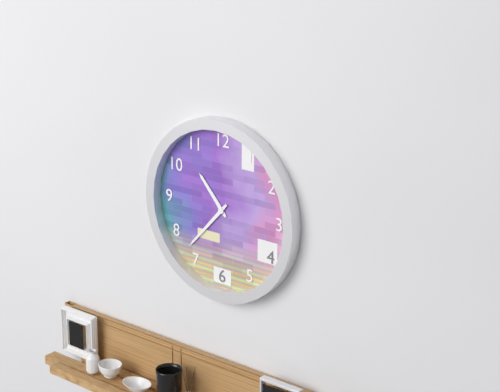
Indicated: 10,37
